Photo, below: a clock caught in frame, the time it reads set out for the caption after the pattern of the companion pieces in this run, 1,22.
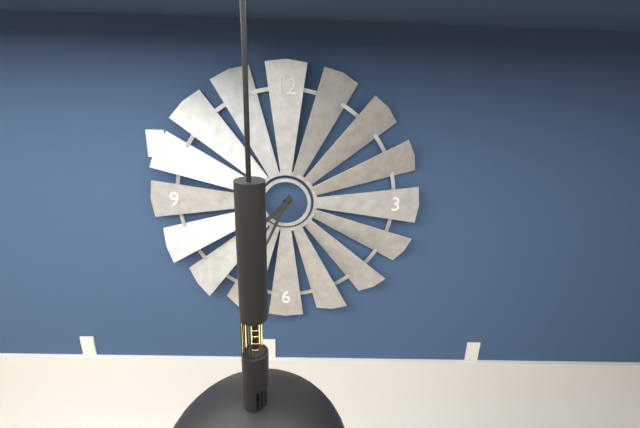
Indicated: 7,34
